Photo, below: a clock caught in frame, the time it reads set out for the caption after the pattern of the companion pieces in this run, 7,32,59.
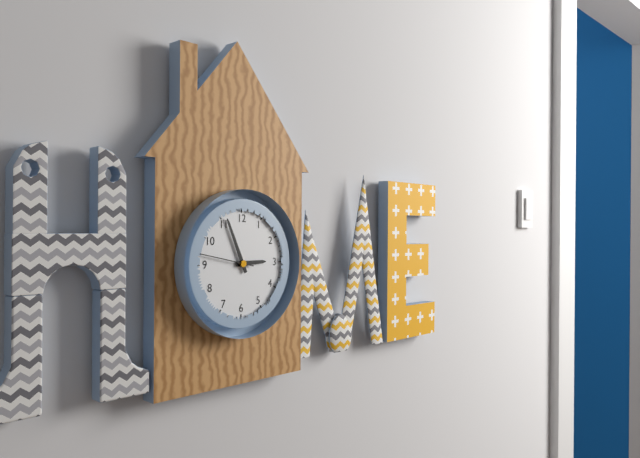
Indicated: 2,56,47
